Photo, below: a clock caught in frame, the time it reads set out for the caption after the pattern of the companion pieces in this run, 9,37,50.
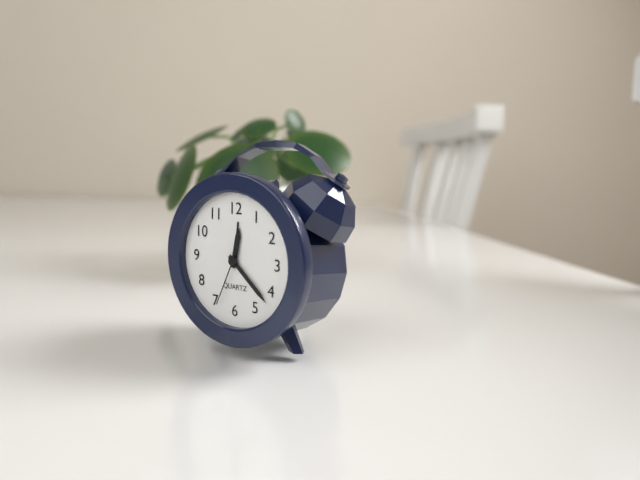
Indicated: 12,22,34
